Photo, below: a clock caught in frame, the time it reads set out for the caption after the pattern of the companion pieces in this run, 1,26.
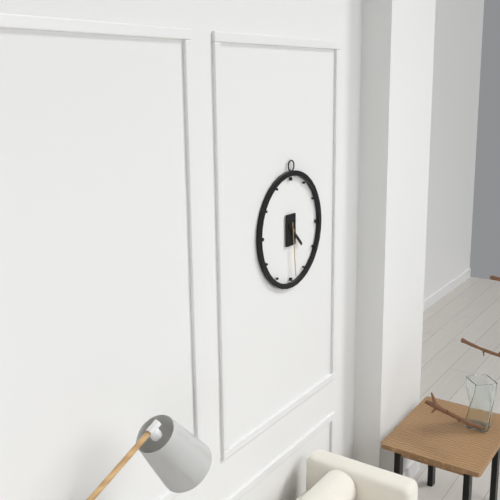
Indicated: 4,29
